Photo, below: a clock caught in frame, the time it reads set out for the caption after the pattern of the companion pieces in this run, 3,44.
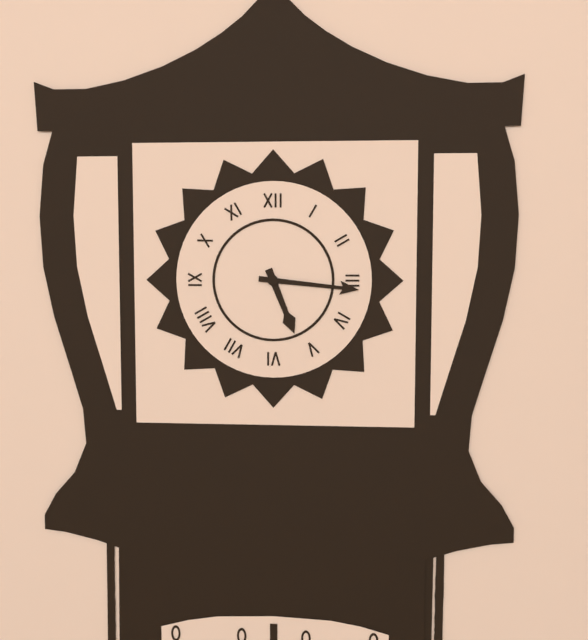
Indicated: 5,16
